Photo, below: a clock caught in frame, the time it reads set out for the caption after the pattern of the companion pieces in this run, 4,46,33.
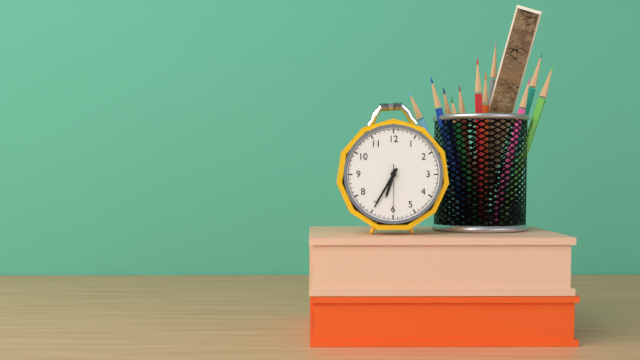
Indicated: 6,35,30
